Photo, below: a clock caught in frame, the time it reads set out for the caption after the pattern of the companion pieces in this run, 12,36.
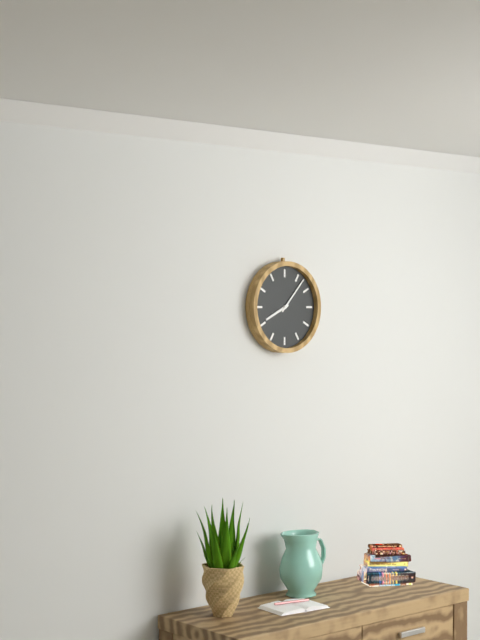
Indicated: 8,07
